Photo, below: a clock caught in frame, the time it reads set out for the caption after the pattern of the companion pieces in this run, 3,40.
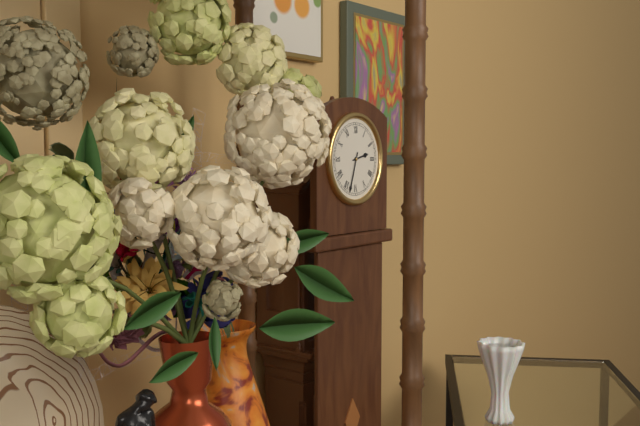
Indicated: 2,33
